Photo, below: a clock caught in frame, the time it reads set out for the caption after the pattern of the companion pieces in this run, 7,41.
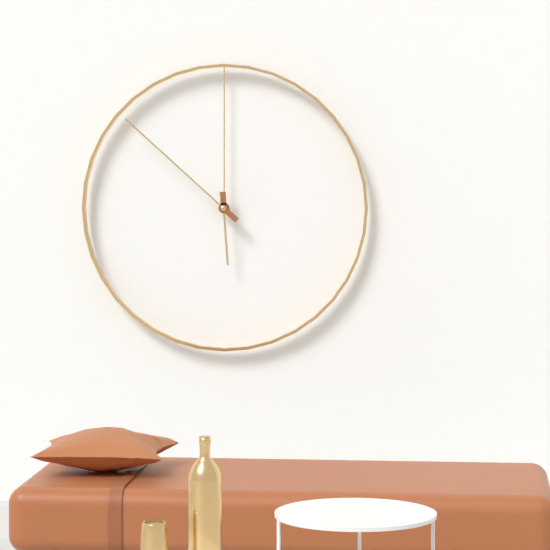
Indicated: 5,52
